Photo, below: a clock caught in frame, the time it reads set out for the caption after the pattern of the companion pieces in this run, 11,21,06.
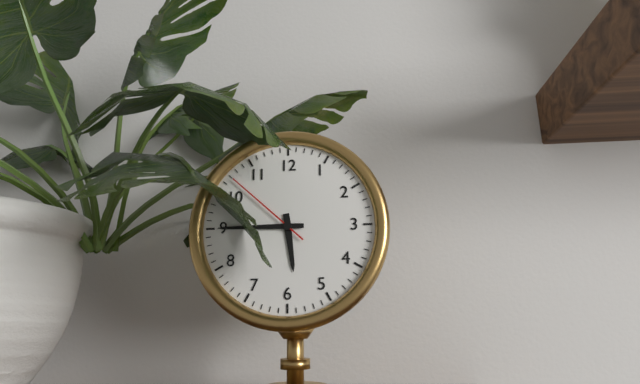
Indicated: 5,45,52
